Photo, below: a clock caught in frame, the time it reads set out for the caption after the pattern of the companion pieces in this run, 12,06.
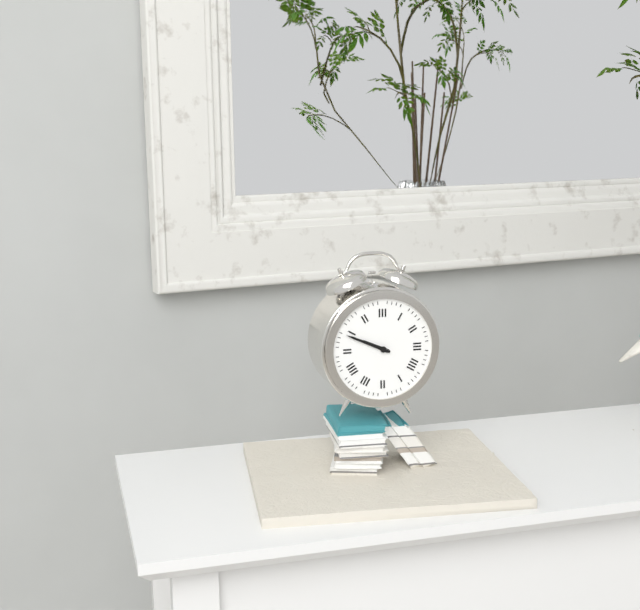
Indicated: 9,49
